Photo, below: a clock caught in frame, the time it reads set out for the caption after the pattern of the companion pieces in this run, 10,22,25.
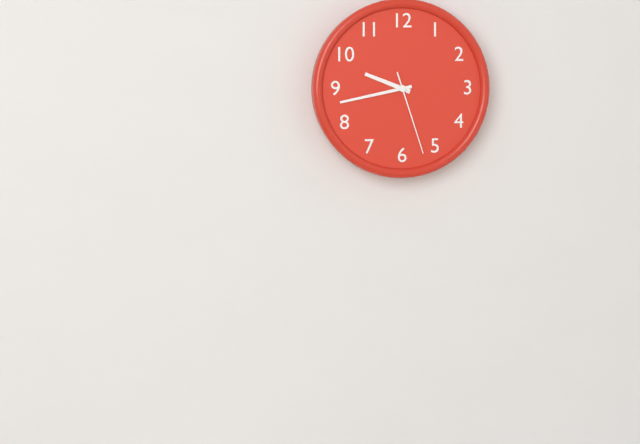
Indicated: 9,43,27
